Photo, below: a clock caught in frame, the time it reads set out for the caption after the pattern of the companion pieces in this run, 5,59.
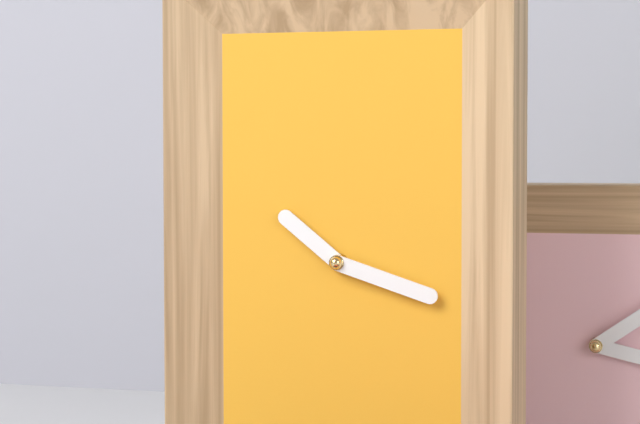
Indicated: 10,18
